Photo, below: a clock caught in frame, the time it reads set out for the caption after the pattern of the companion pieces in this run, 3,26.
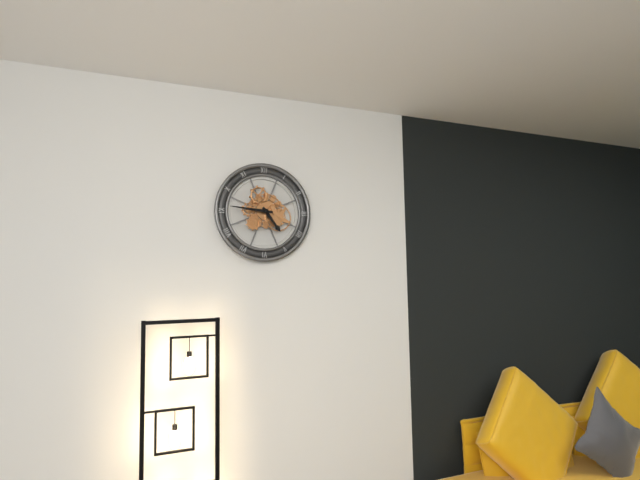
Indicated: 4,46
